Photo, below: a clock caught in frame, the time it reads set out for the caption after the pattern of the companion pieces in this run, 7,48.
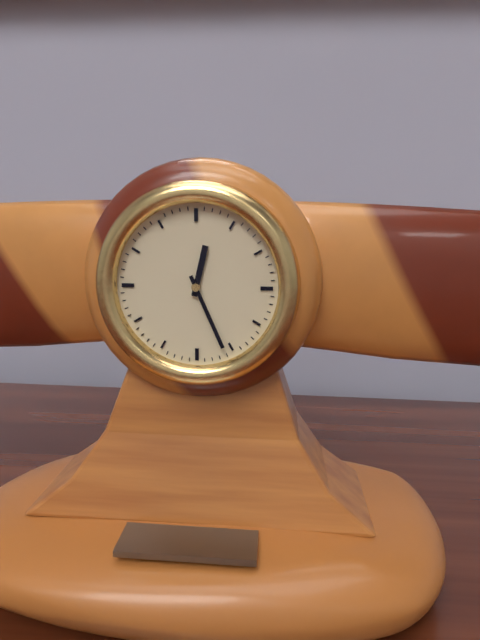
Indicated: 12,26
